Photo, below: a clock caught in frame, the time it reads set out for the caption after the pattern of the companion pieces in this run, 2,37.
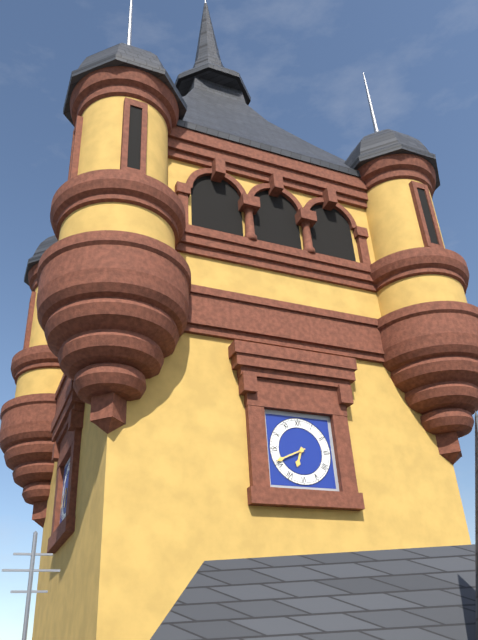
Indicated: 6,41
